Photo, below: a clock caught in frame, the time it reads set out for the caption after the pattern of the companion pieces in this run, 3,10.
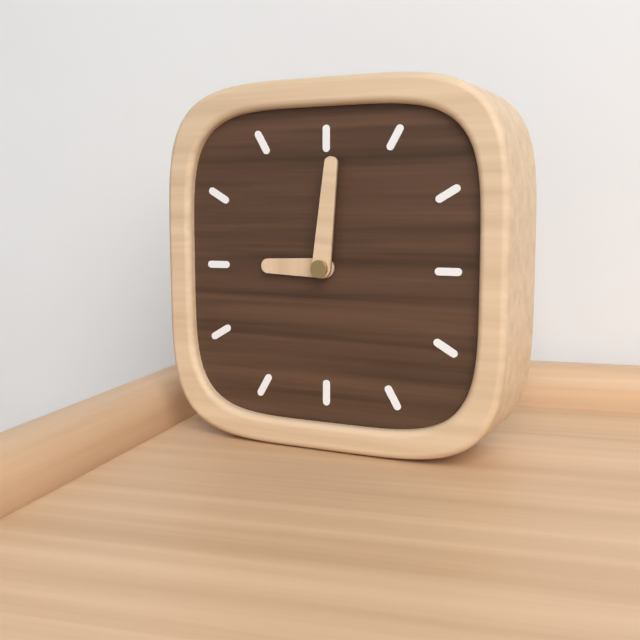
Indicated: 9,01
